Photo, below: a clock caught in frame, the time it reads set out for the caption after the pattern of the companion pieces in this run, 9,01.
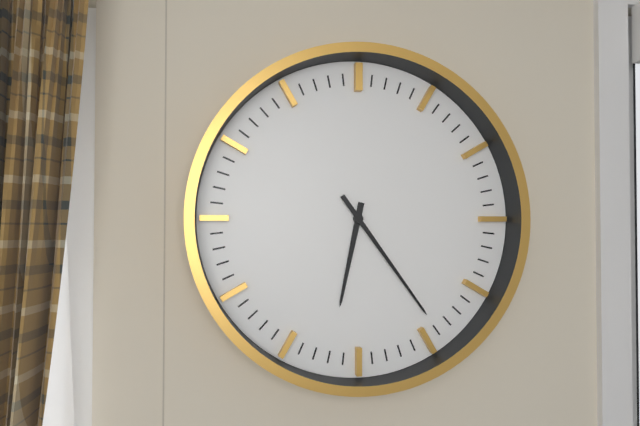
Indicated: 6,24
